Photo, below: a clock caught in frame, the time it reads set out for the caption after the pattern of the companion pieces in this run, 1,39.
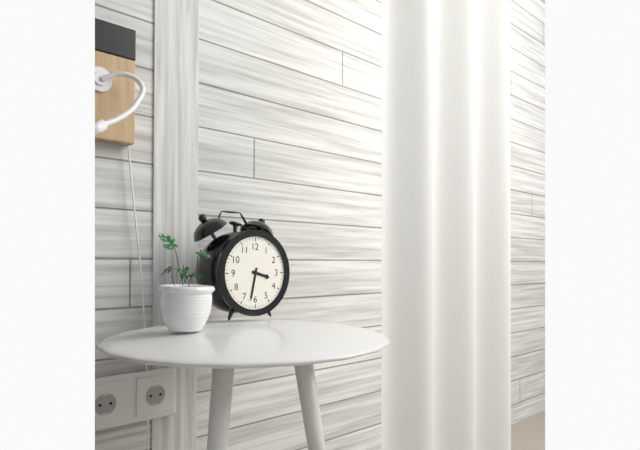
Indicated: 3,32
